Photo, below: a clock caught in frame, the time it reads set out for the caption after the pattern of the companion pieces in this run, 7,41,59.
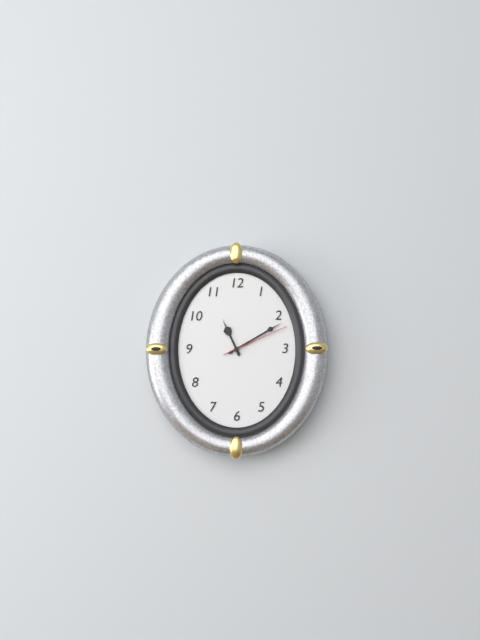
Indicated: 11,10,11
